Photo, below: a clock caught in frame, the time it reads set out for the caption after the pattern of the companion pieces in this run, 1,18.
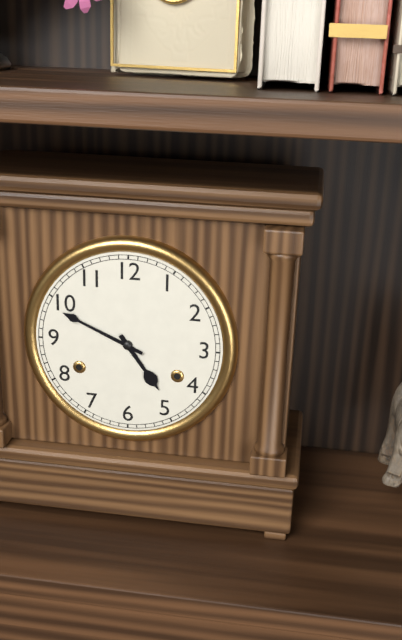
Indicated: 4,49
